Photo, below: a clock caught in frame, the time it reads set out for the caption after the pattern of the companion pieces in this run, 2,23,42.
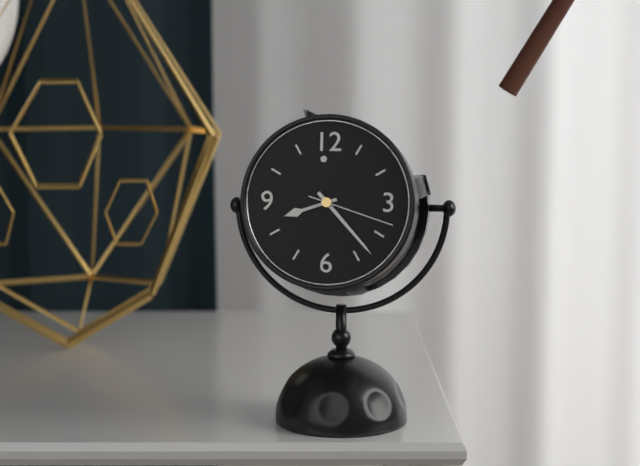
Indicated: 8,23,18
